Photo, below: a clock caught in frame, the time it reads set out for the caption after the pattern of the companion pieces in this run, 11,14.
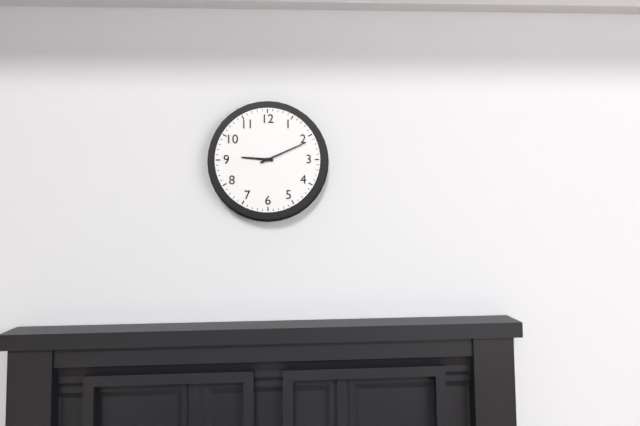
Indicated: 9,11
